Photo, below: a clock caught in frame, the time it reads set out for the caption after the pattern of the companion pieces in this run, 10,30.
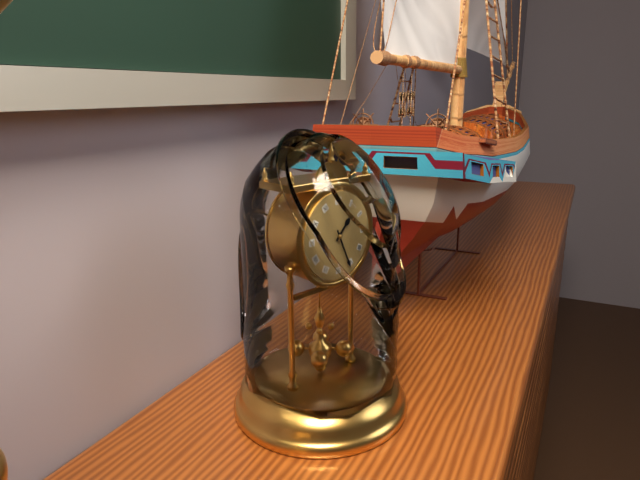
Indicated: 1,26
